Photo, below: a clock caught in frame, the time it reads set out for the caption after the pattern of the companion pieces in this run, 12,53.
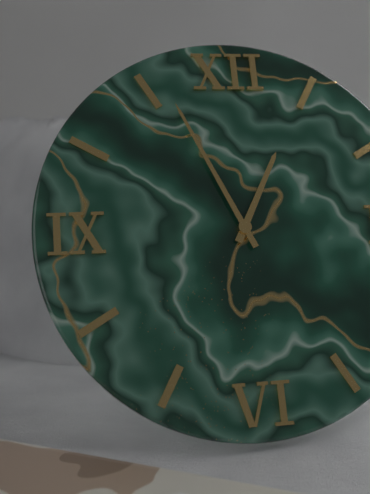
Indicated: 12,56
